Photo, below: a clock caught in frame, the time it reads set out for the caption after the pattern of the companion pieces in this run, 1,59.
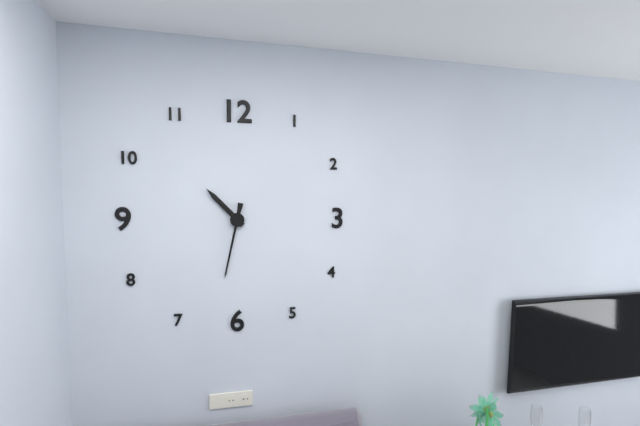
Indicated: 10,32
